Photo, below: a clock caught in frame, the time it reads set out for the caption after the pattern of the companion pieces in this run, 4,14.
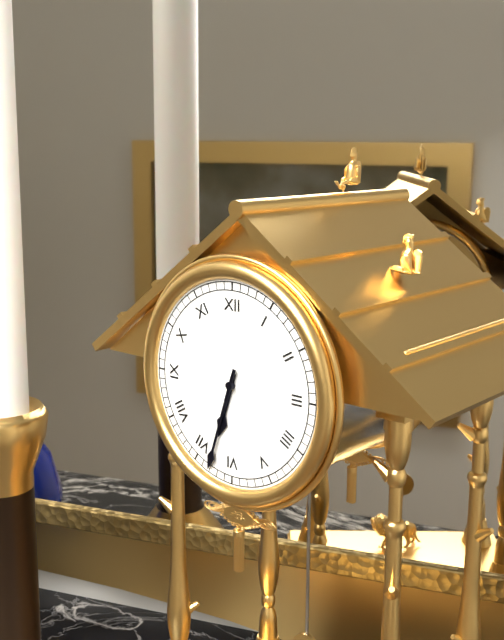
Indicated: 6,33
